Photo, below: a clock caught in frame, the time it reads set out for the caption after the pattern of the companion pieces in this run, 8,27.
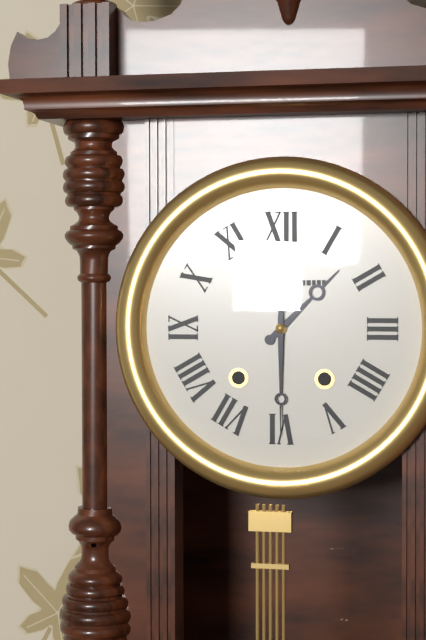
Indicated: 1,30
